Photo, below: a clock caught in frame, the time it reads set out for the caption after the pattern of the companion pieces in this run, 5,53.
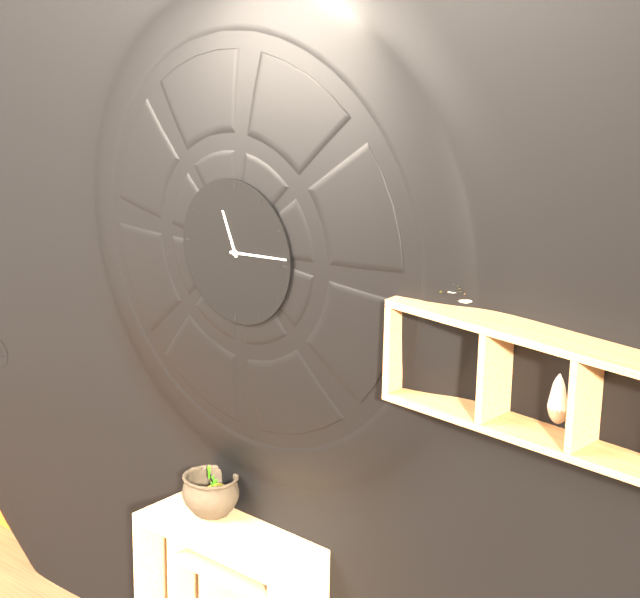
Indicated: 11,14
